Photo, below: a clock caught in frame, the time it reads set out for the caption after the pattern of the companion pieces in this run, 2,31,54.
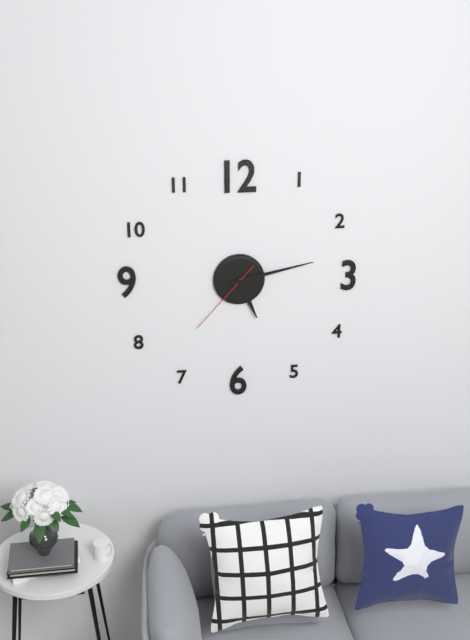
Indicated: 5,13,37
